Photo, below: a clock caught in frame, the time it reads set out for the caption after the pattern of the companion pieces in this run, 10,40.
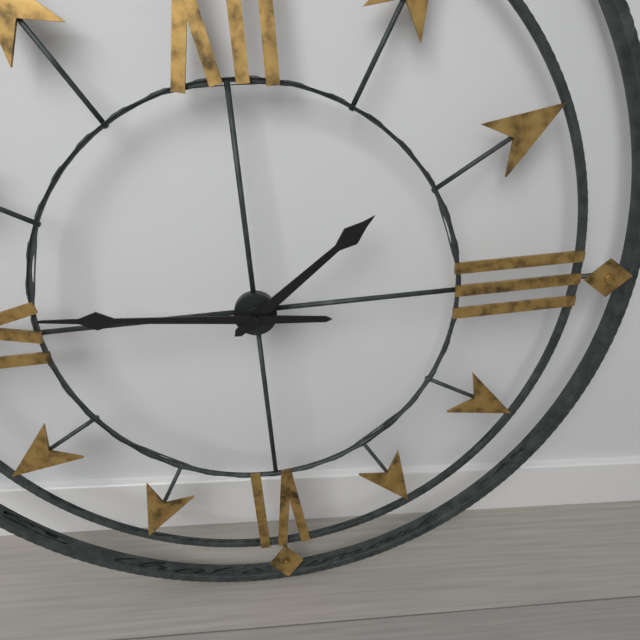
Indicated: 1,46
